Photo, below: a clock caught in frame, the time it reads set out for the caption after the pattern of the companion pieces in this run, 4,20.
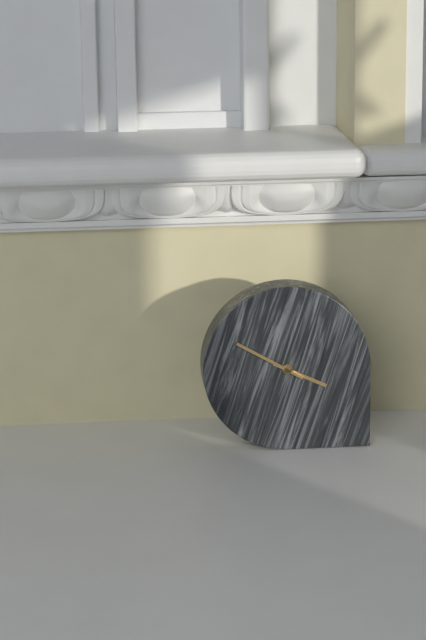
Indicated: 3,50
